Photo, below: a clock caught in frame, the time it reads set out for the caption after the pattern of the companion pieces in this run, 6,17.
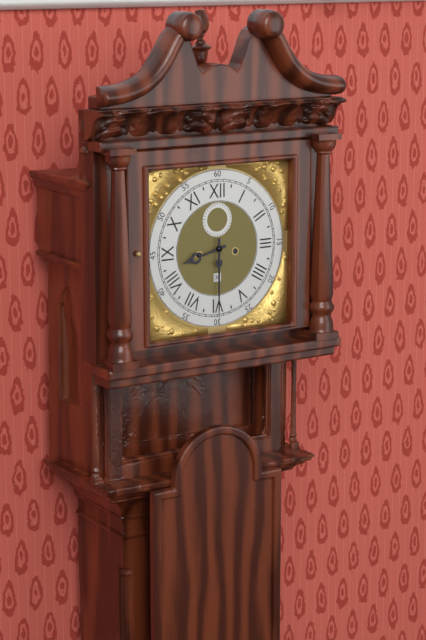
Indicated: 8,30
